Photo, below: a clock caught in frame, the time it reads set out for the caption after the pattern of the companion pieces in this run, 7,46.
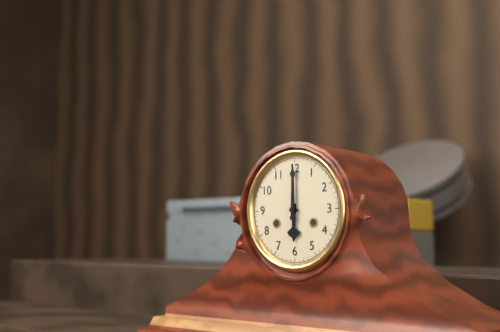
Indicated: 6,00
